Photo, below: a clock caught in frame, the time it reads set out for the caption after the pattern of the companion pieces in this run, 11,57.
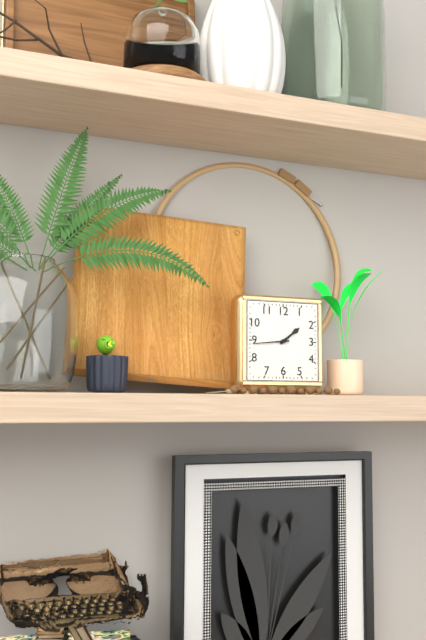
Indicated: 1,44
